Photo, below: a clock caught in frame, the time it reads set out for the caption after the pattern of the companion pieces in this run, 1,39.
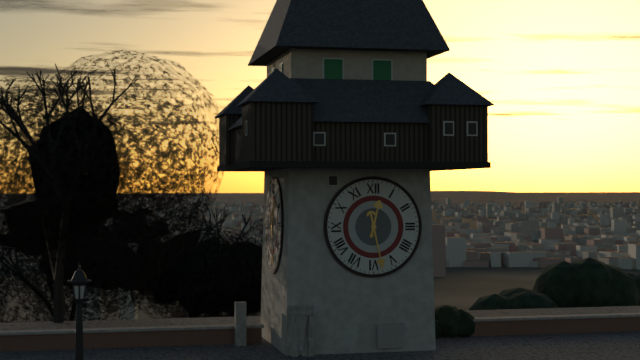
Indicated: 12,28
